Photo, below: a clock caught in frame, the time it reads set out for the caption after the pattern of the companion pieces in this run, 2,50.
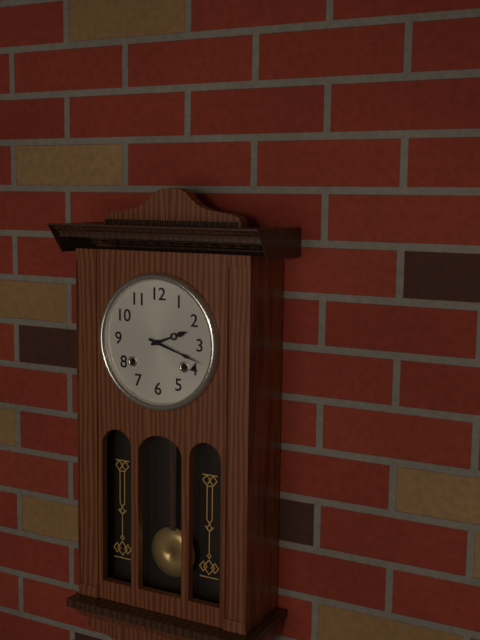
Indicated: 2,18
